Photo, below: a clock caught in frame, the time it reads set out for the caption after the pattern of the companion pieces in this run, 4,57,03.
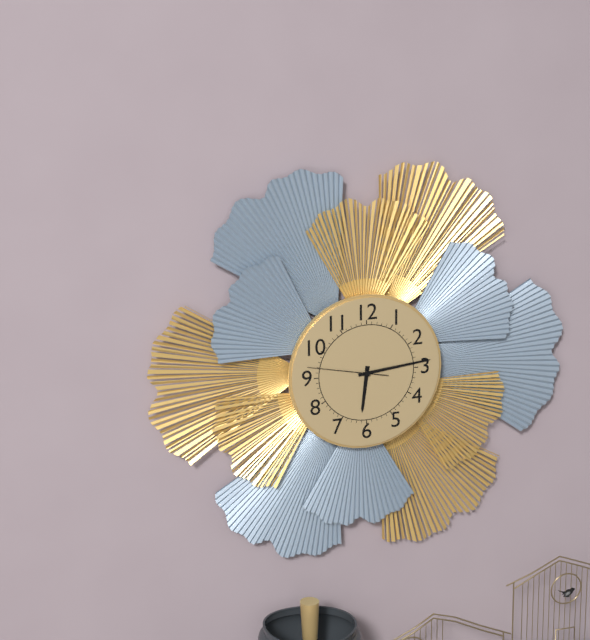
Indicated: 6,14,47
